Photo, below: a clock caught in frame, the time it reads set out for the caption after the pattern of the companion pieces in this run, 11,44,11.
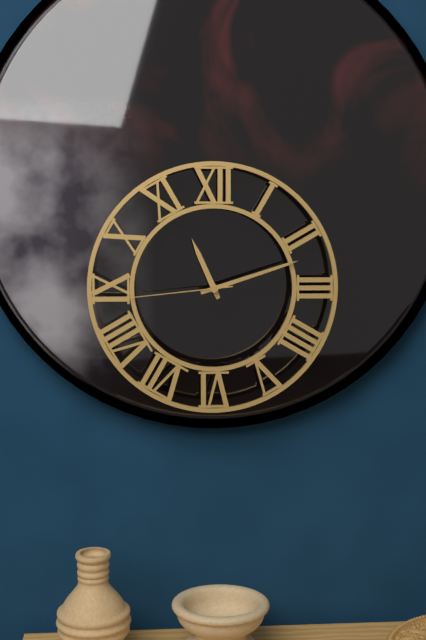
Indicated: 11,12,44
